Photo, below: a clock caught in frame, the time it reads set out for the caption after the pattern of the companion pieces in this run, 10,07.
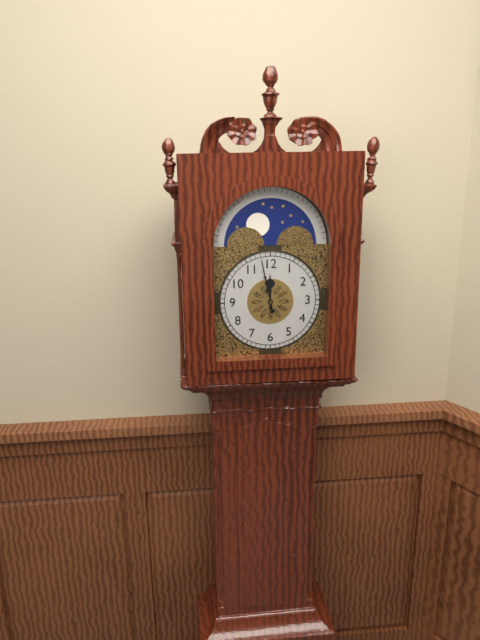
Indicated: 11,58
